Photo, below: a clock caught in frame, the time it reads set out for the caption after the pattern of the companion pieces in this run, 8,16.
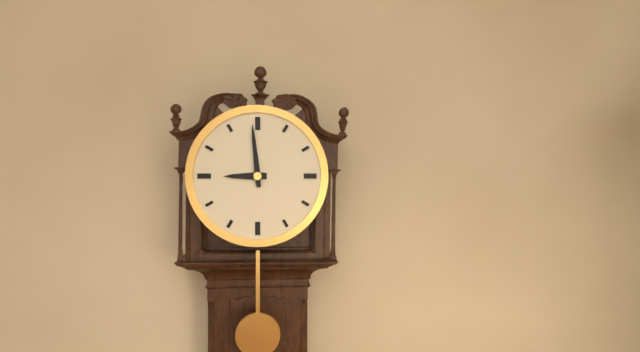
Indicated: 8,59
